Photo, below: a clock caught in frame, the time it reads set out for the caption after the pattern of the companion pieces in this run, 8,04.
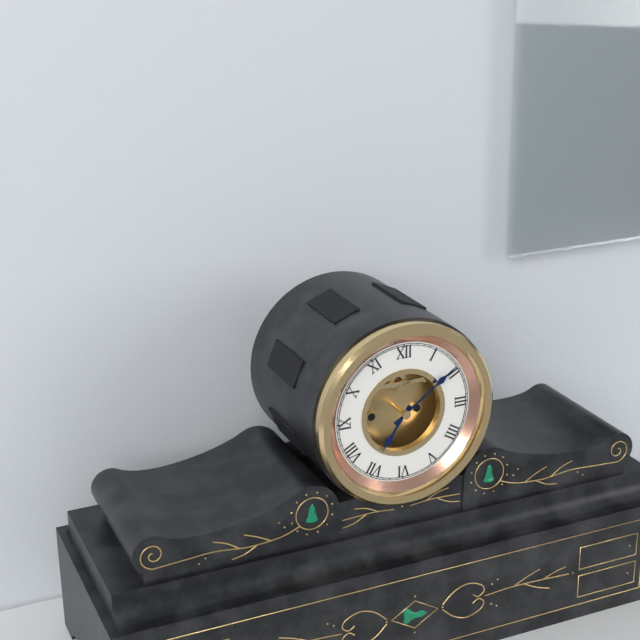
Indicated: 7,09
